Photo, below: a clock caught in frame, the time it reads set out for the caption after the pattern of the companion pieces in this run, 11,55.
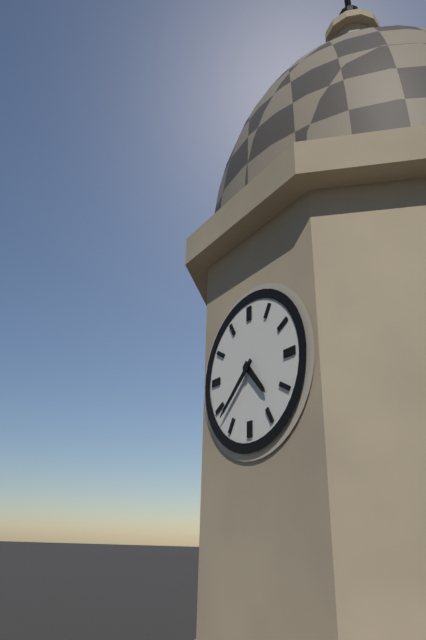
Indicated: 4,38
